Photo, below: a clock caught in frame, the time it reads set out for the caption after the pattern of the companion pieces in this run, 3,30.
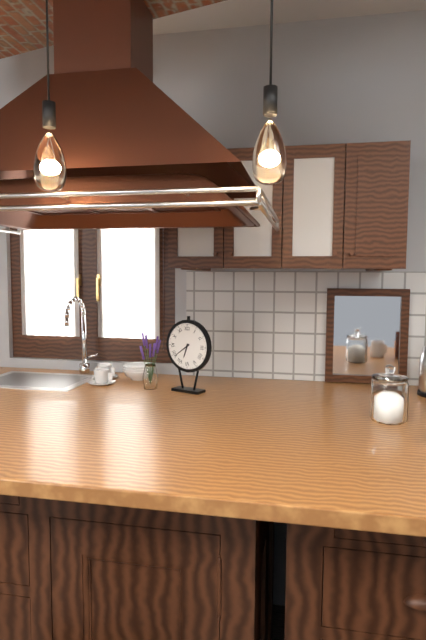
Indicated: 6,39
